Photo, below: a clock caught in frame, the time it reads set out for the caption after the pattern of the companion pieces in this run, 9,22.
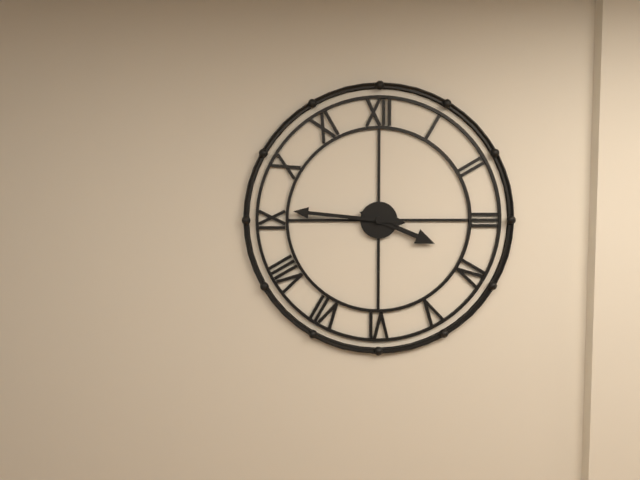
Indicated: 3,46
